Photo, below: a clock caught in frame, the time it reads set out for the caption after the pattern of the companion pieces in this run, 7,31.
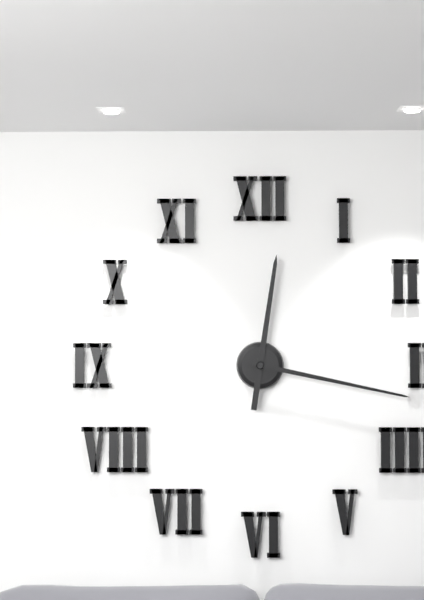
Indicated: 12,17
